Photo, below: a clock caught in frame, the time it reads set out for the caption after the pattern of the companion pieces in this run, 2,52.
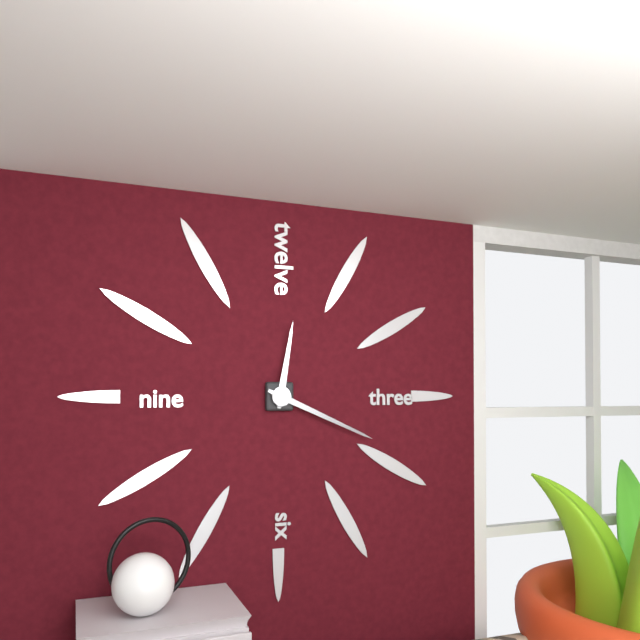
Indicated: 12,19
